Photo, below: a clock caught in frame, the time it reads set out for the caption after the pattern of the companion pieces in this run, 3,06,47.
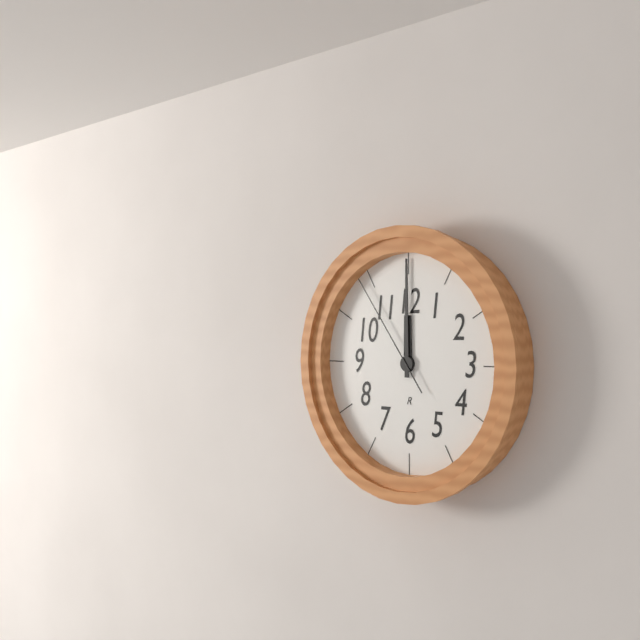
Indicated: 12,00,54
